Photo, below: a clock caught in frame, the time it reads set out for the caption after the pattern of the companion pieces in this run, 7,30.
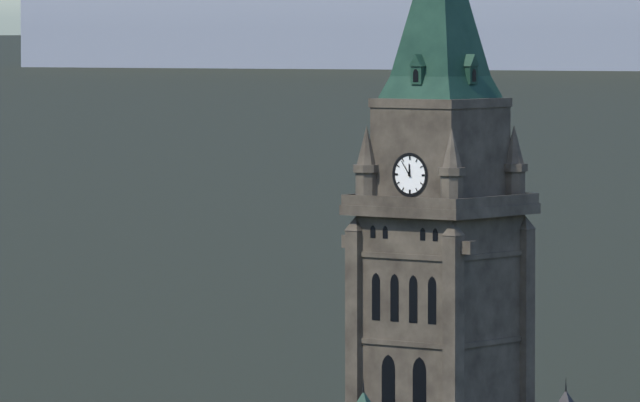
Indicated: 11,54
